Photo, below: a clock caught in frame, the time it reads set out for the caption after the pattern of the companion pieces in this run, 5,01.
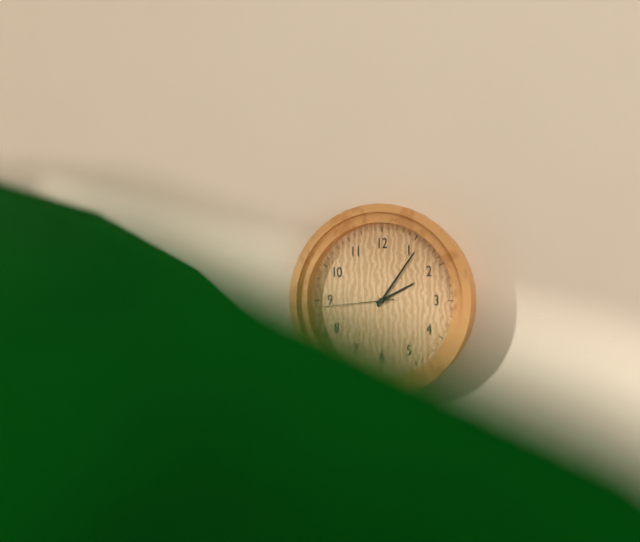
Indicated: 2,06
